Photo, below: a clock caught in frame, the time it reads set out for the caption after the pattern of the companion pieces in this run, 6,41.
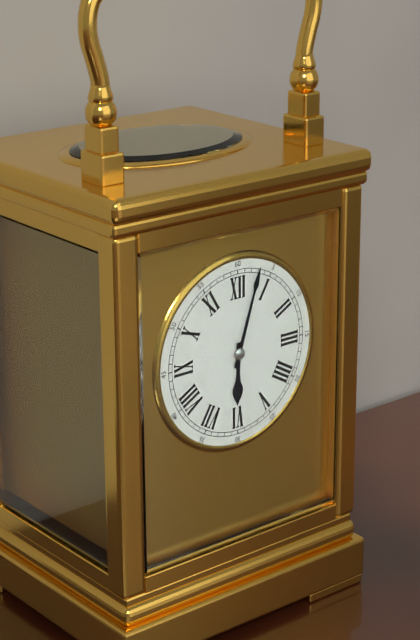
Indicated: 6,03
